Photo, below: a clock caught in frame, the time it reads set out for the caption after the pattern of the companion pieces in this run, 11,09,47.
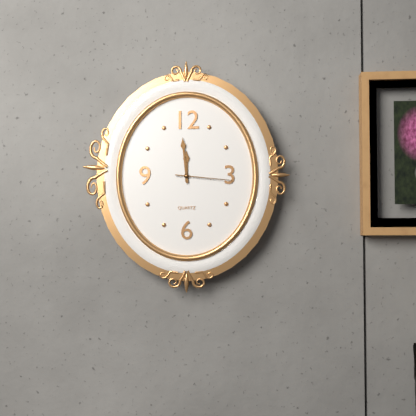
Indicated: 11,59,16
